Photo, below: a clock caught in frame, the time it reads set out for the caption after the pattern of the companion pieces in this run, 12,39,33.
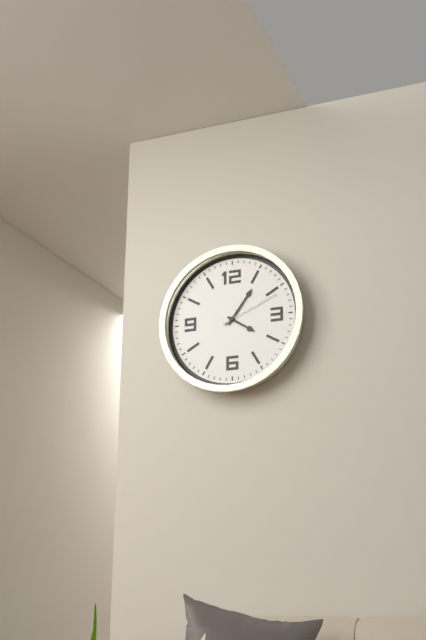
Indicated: 4,06,11
